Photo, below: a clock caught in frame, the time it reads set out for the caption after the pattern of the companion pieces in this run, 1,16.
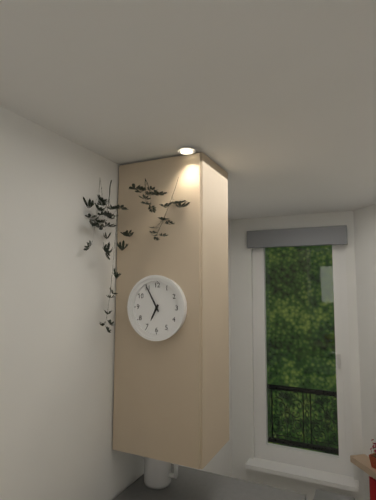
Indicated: 6,55
